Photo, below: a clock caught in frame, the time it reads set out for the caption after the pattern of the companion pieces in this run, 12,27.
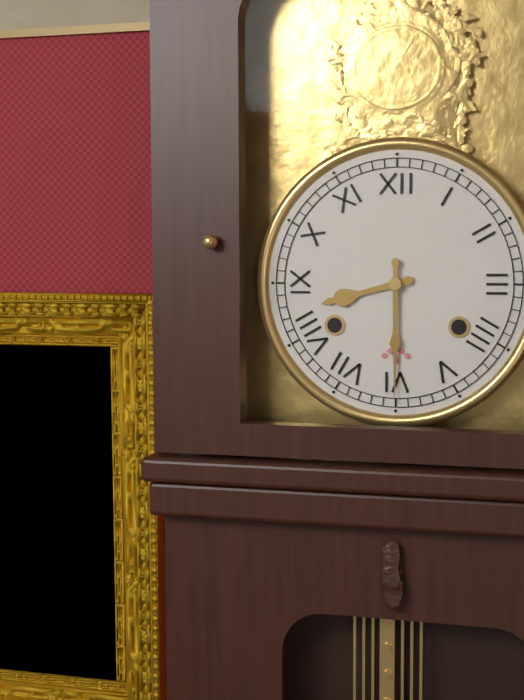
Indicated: 8,30
